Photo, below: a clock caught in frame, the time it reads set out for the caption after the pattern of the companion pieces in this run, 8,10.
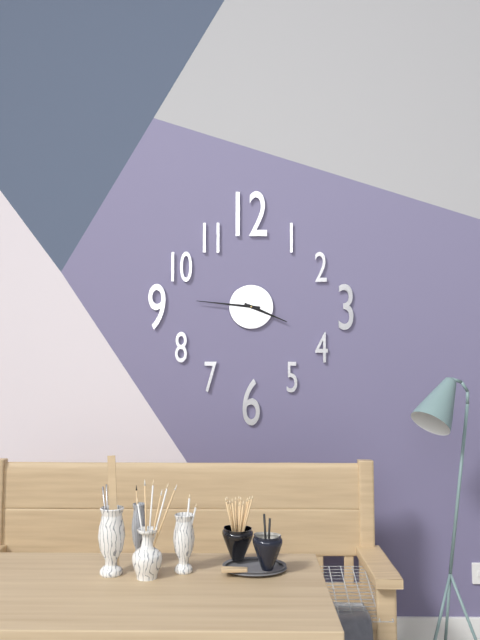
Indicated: 3,46
